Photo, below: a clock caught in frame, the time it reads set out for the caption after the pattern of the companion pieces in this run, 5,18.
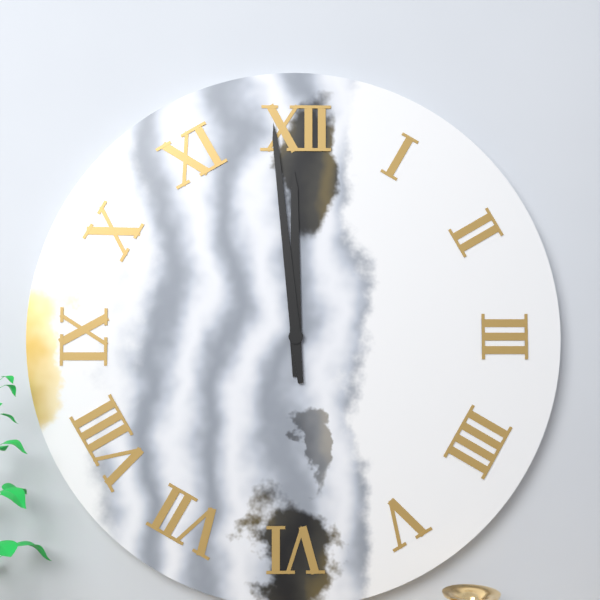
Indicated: 11,59
